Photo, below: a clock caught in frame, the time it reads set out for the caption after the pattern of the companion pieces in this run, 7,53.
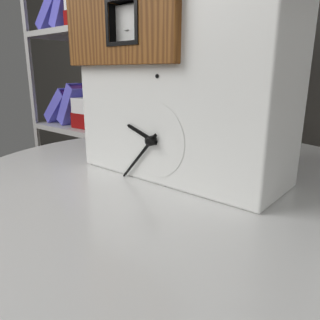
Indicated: 9,37
